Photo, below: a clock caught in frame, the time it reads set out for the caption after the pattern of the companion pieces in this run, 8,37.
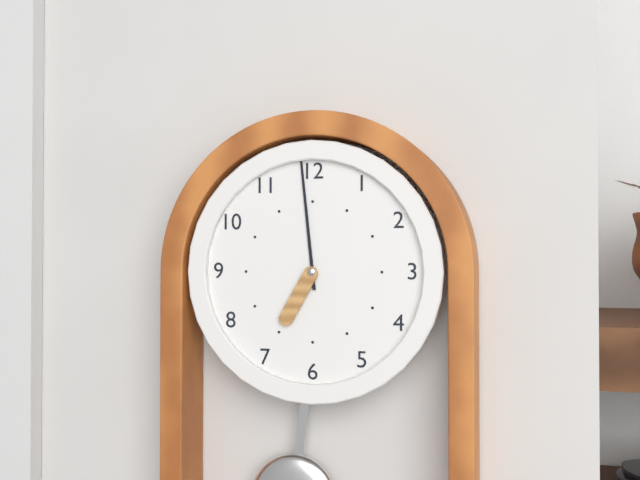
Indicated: 6,59
